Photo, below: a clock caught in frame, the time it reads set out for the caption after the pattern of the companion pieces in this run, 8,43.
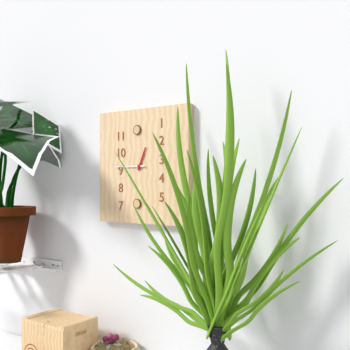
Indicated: 12,45
